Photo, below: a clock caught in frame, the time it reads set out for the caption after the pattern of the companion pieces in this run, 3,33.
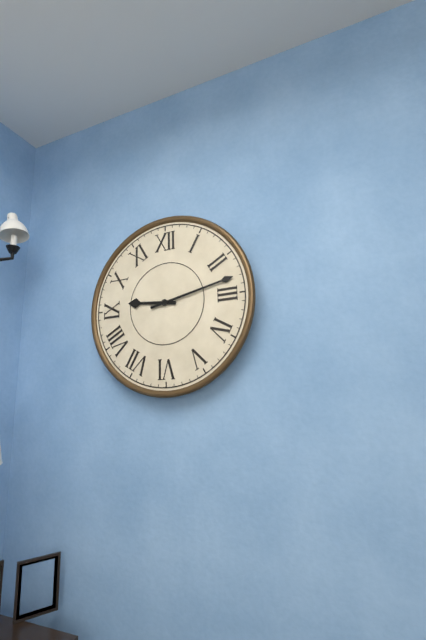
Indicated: 9,13
